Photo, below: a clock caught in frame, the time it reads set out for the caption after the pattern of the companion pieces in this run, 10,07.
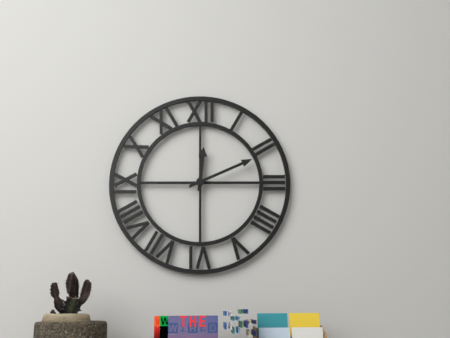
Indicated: 12,11
